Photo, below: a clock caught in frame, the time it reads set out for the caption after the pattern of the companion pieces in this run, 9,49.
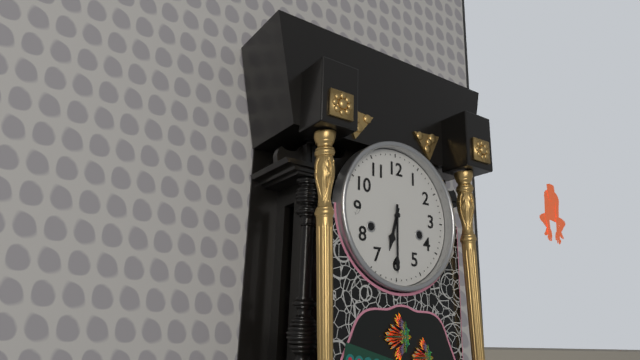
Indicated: 6,30
